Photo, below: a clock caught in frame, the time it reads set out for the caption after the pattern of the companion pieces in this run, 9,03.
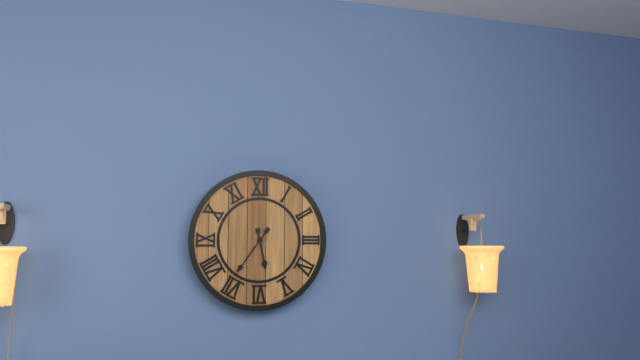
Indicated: 5,36
